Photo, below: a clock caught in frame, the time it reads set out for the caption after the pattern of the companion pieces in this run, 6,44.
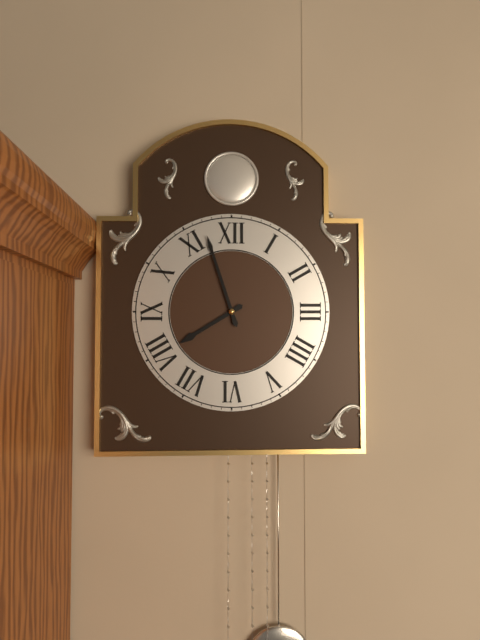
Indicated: 7,57
